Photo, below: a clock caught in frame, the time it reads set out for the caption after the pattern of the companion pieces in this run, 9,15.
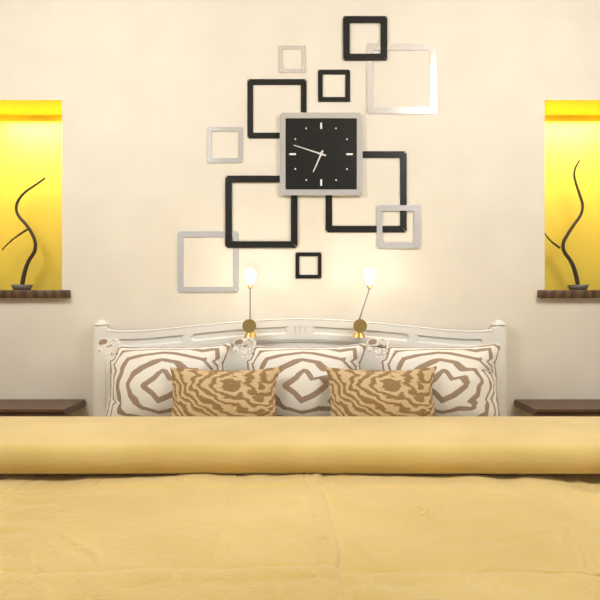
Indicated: 6,48
